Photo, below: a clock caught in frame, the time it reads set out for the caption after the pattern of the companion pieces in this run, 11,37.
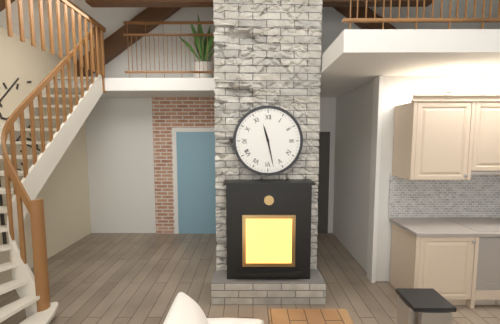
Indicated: 11,28
